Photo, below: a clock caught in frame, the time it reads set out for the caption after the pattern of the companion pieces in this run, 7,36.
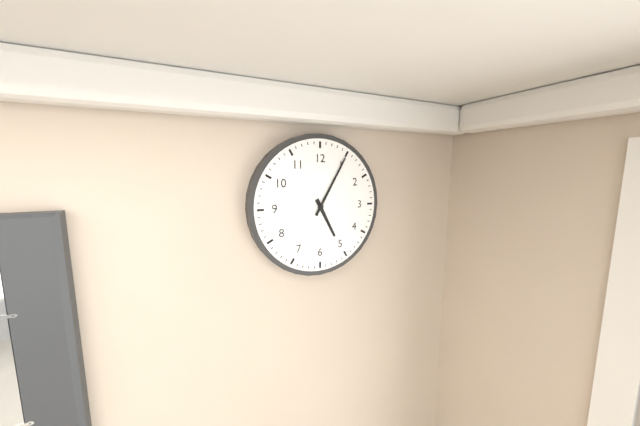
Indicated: 5,05
